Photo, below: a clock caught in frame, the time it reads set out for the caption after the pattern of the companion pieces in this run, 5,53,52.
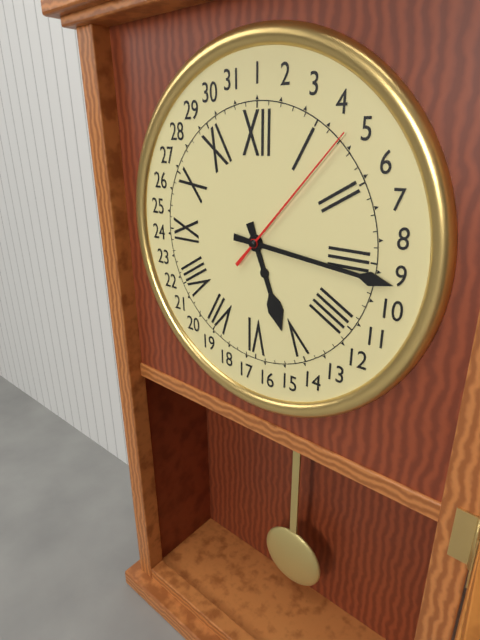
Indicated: 5,16,07
